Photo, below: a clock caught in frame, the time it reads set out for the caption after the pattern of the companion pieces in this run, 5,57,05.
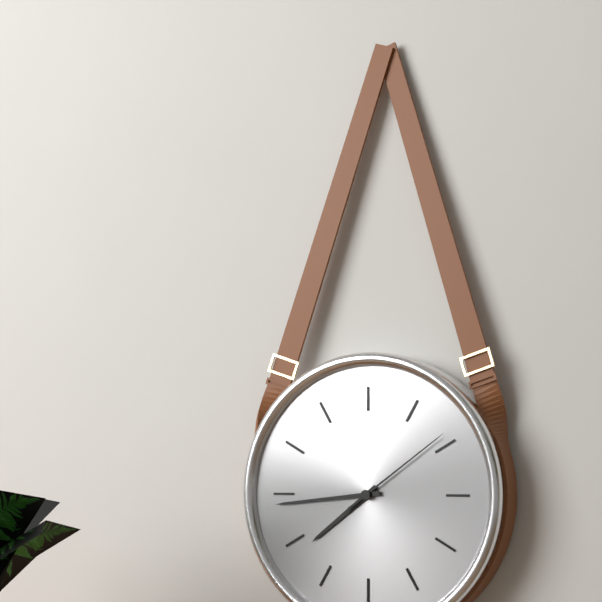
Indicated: 7,44,09
